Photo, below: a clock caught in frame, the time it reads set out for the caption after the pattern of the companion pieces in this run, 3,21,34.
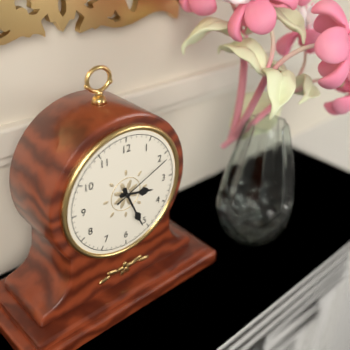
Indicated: 3,26,11
